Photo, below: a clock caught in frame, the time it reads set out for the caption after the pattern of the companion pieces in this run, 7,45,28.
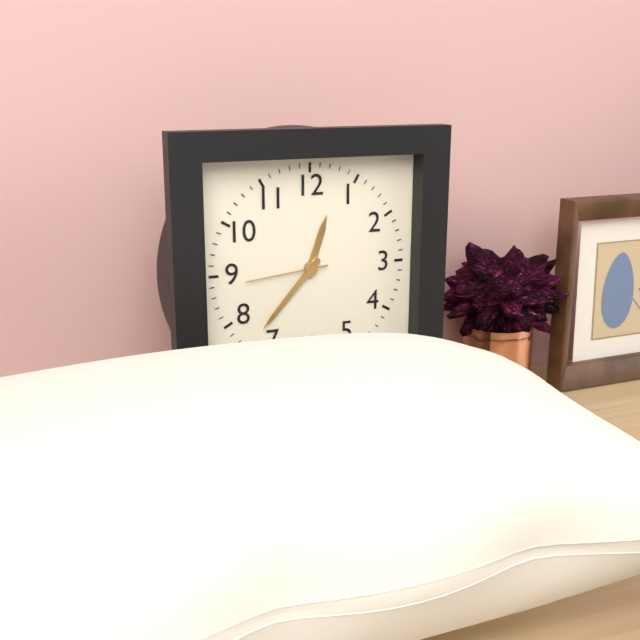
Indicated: 12,37,44
